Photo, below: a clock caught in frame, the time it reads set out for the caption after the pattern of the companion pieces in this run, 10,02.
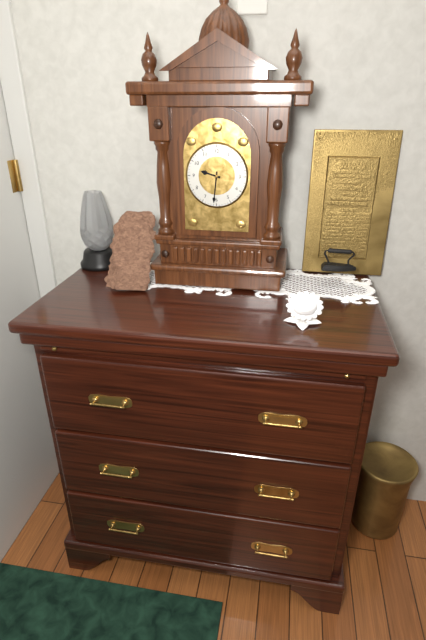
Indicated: 9,31
